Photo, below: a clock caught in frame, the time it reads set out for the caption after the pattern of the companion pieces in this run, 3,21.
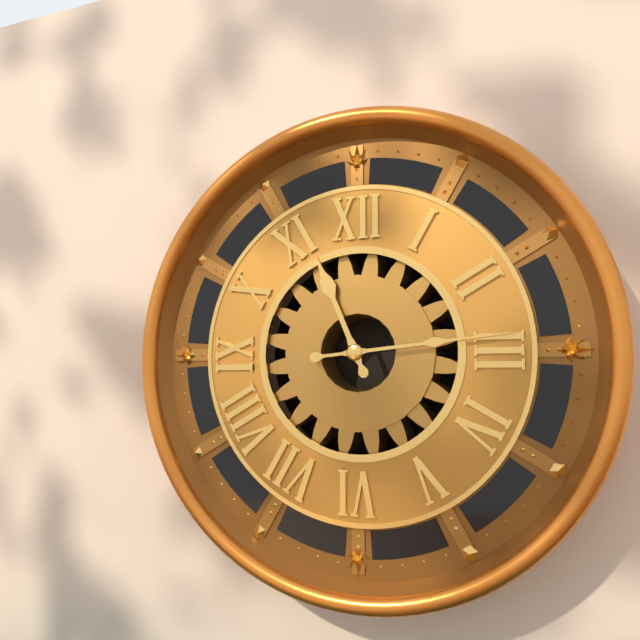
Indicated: 11,14
